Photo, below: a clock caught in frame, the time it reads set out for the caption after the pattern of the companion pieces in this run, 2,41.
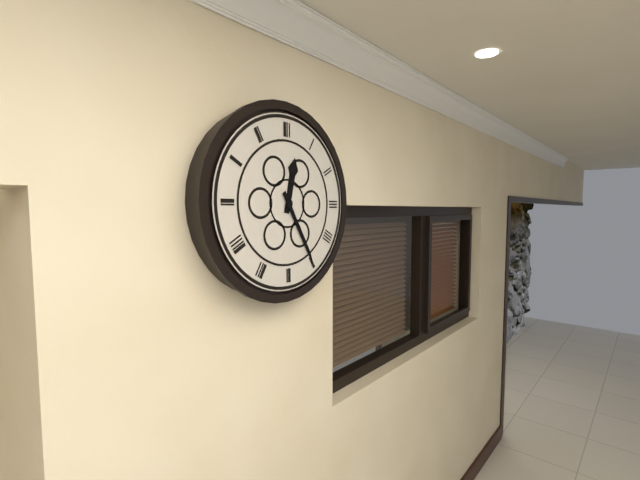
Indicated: 12,25
